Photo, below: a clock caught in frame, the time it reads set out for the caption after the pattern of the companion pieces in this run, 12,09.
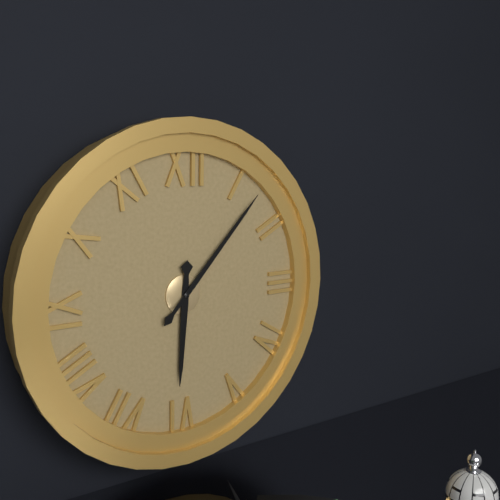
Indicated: 6,07
